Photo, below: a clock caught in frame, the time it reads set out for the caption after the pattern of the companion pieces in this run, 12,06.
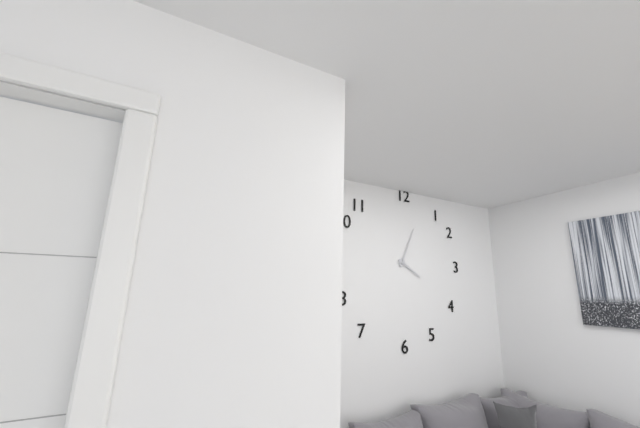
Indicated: 4,04
